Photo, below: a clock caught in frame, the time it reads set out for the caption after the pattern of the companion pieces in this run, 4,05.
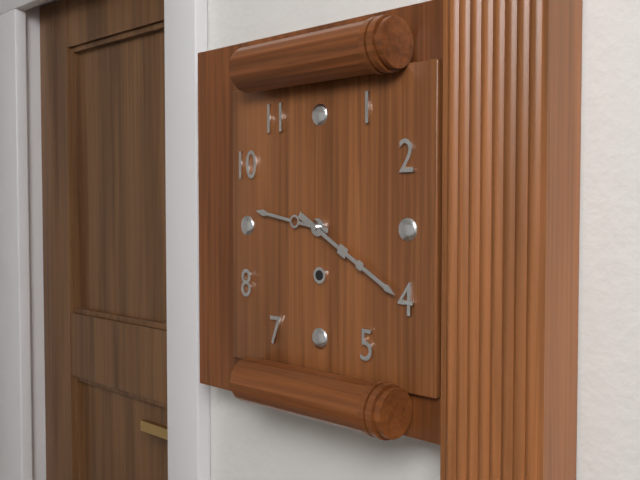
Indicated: 9,20
